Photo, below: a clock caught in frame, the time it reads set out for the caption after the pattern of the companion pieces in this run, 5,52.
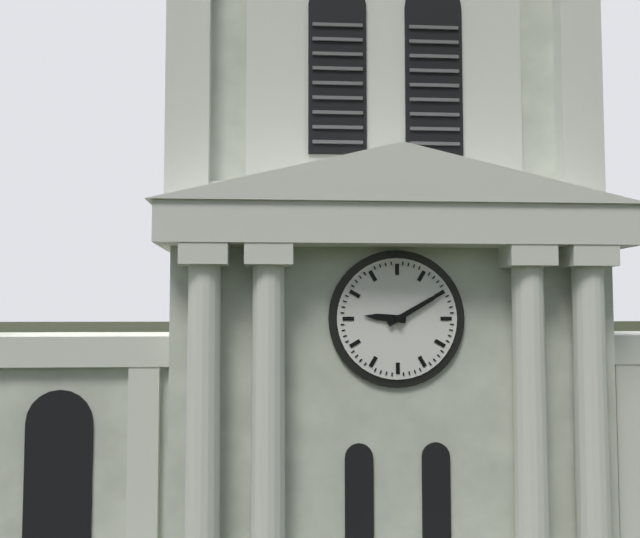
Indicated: 9,10
